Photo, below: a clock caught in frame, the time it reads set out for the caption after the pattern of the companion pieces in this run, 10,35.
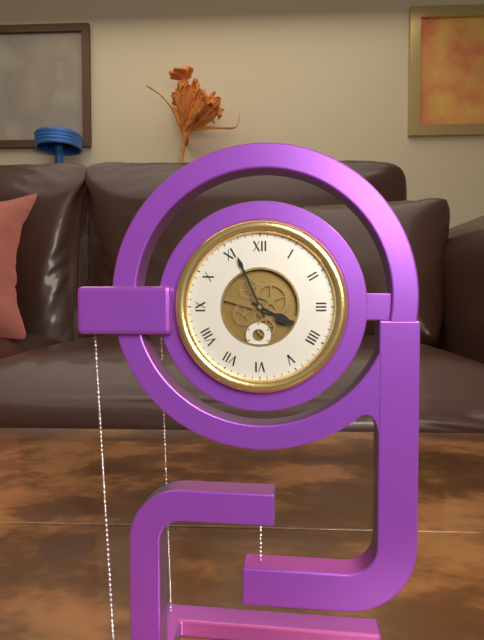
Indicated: 3,56
